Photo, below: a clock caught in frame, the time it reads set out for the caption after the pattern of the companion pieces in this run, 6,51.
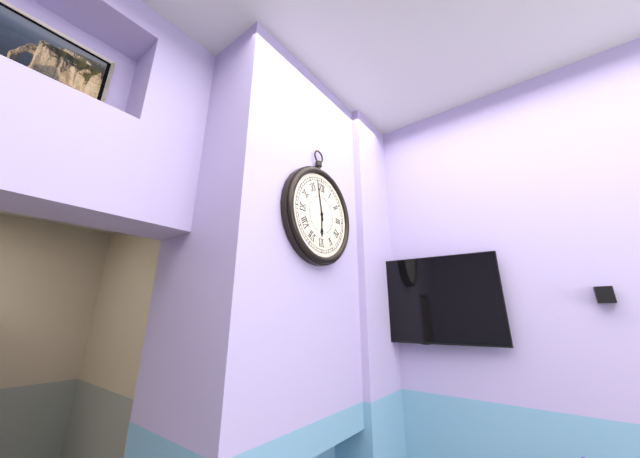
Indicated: 5,58
